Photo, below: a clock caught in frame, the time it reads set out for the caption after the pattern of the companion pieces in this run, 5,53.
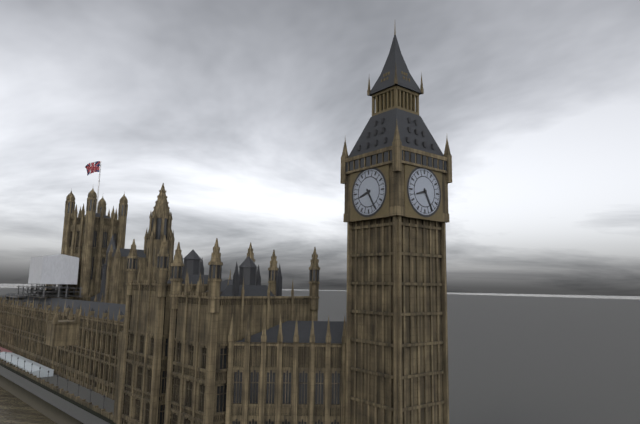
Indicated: 8,25
